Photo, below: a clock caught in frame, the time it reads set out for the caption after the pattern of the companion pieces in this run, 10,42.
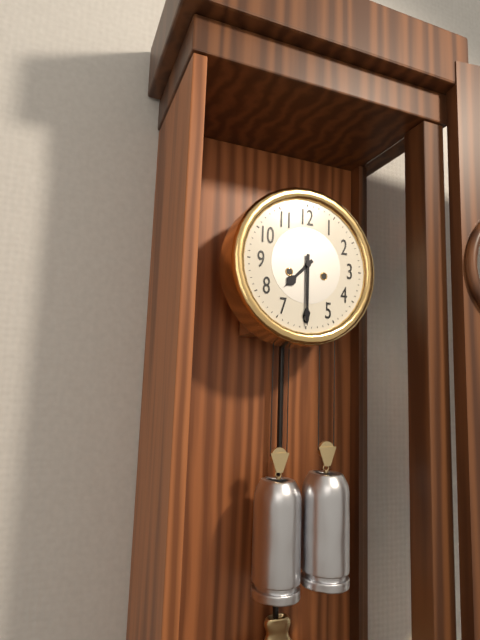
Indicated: 7,30
